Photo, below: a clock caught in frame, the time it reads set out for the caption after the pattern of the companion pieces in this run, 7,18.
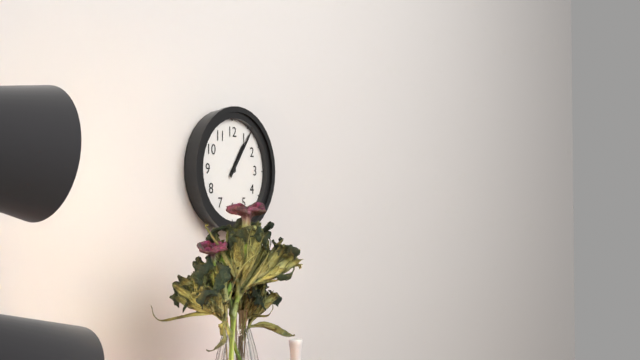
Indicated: 1,06
